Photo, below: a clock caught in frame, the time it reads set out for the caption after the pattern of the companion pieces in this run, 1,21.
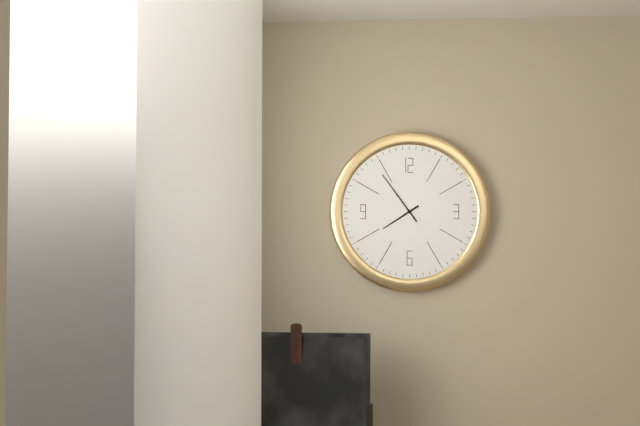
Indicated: 7,54
